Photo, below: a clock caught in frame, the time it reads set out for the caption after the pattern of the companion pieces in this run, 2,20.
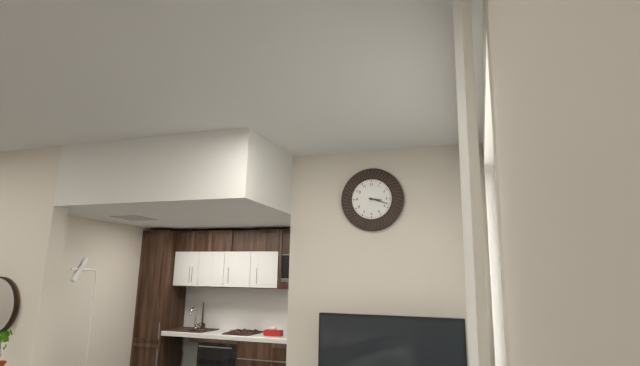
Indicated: 3,18
